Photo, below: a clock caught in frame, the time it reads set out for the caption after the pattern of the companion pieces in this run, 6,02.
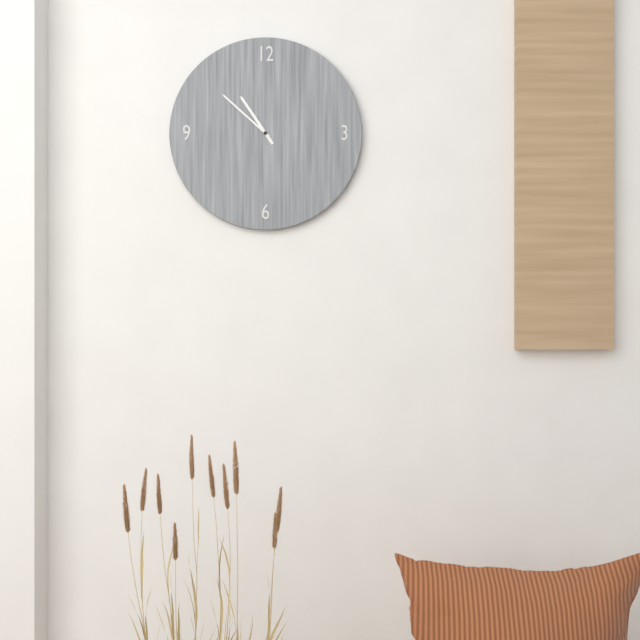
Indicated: 10,52
